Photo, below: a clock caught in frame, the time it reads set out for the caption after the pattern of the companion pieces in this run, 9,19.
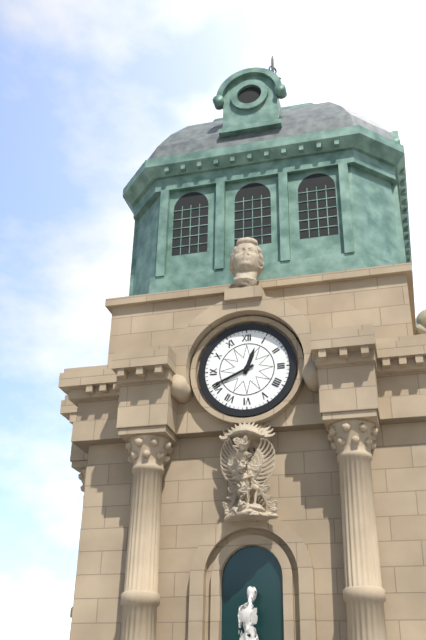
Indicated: 12,41
